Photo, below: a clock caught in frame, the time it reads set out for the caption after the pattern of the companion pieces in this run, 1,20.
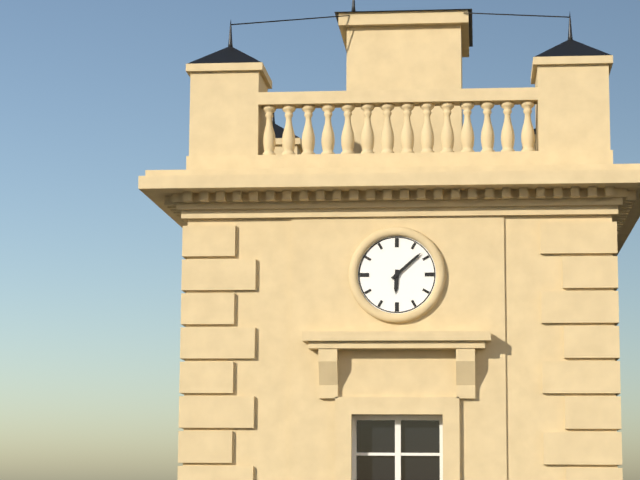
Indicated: 6,08
